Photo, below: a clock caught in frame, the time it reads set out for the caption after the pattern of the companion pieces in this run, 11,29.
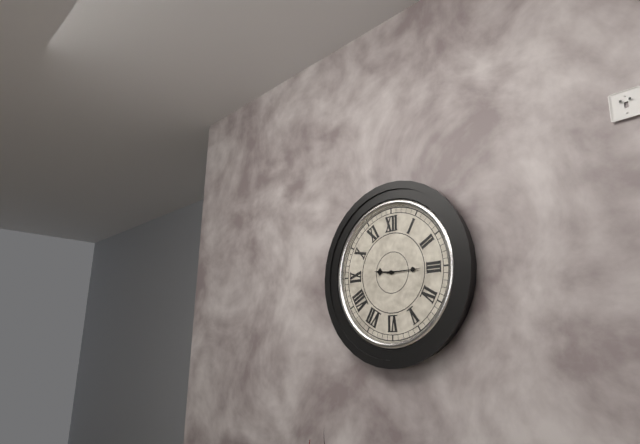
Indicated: 9,15
